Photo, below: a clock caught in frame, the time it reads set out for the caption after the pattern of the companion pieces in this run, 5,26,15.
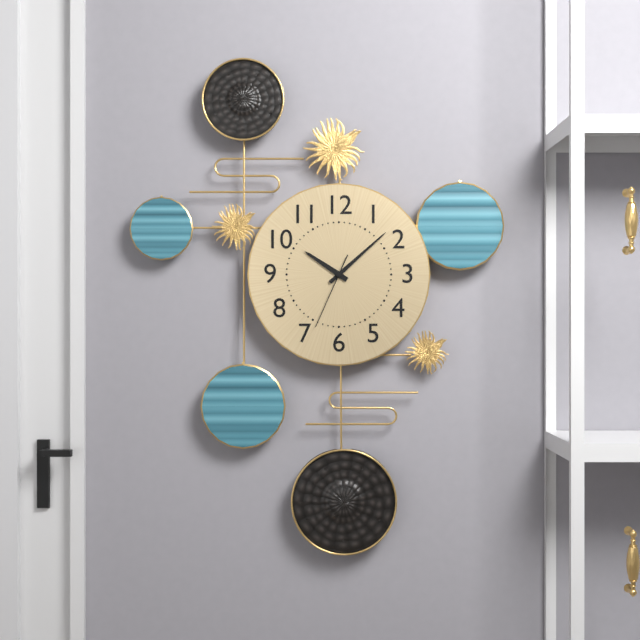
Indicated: 10,08,34
